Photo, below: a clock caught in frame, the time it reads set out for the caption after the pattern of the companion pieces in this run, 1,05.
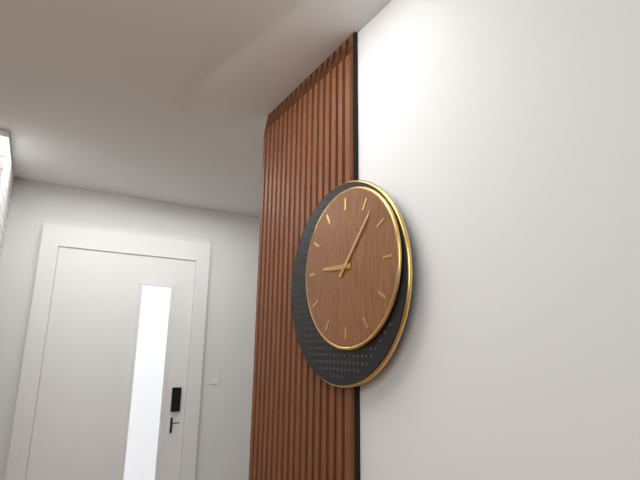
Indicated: 9,07
